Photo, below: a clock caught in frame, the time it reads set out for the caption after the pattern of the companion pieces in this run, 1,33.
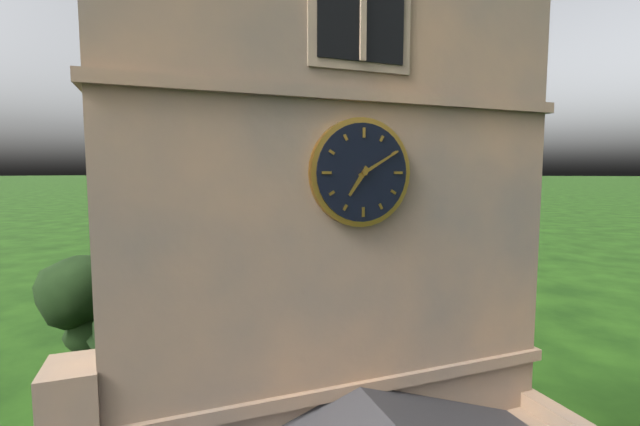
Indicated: 7,10
